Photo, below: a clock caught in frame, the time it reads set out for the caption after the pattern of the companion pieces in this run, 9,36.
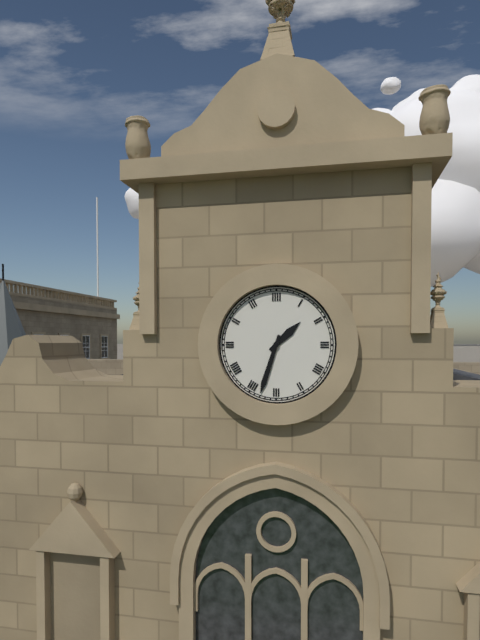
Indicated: 1,33
